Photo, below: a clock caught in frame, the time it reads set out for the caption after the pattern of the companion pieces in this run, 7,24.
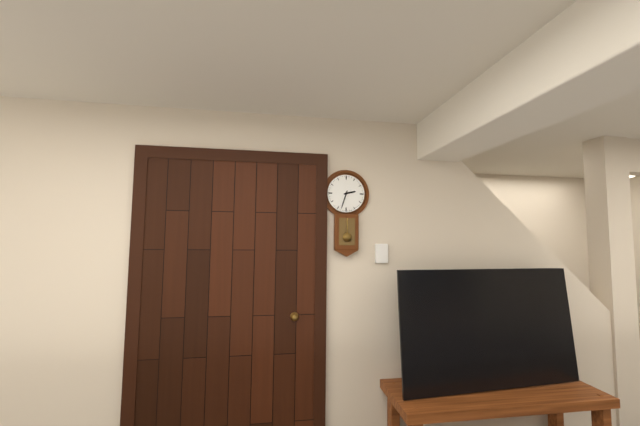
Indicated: 2,33
